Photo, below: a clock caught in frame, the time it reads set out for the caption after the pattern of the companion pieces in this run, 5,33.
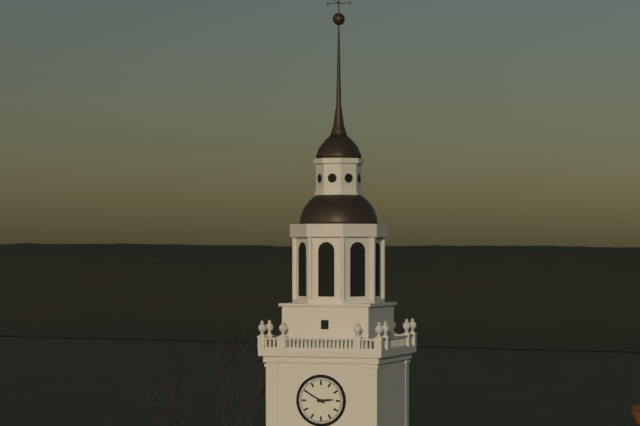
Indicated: 2,50
